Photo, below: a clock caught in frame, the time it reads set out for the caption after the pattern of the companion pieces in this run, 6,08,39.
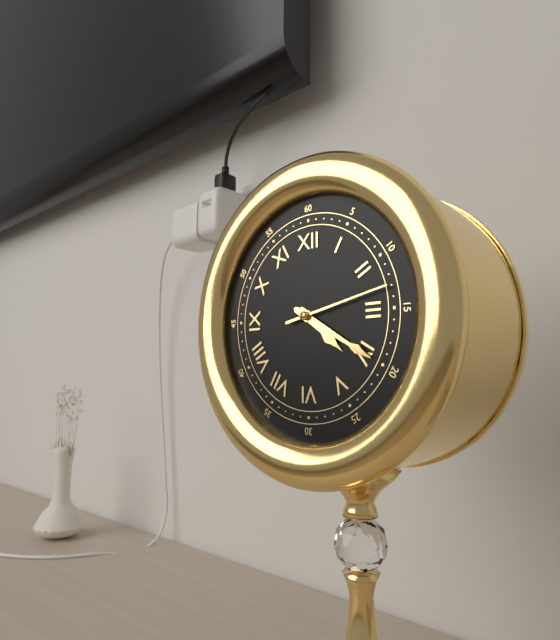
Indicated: 4,20,13
